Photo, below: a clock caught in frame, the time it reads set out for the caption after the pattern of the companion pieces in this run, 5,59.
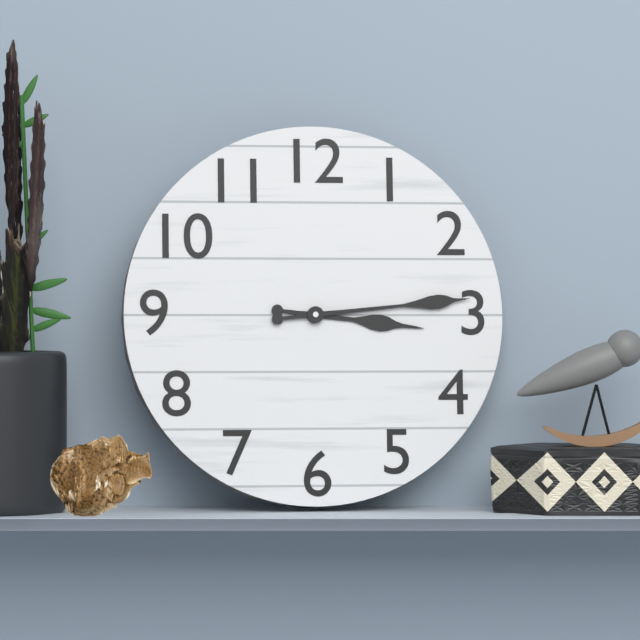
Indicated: 3,14
